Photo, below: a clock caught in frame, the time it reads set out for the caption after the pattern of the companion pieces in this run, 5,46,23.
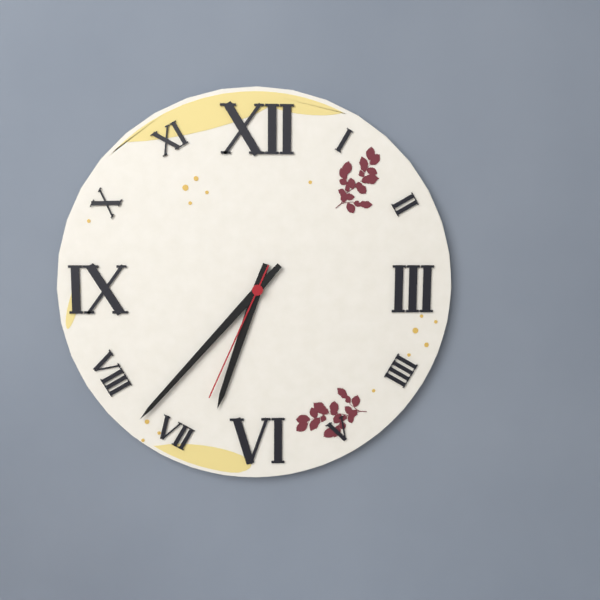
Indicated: 6,37,34
